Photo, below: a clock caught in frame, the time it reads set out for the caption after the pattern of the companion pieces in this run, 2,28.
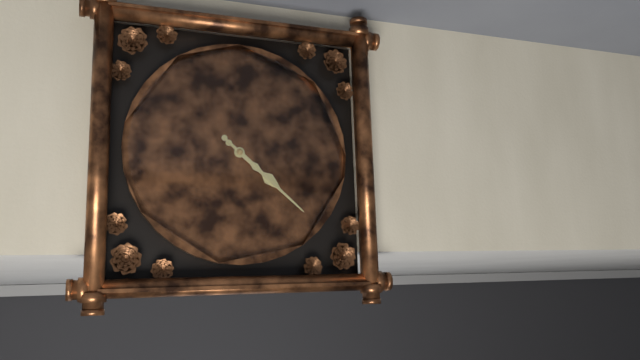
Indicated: 4,22
